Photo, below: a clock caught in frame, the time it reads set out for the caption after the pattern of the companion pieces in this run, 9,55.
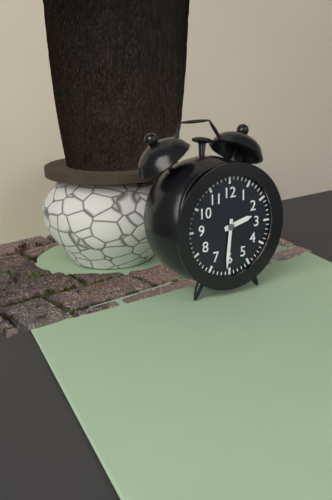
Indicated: 2,31
